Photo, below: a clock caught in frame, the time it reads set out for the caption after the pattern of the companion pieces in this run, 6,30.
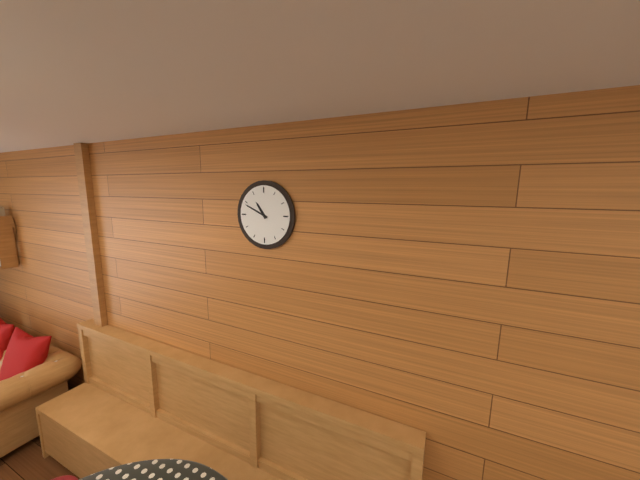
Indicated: 10,49
